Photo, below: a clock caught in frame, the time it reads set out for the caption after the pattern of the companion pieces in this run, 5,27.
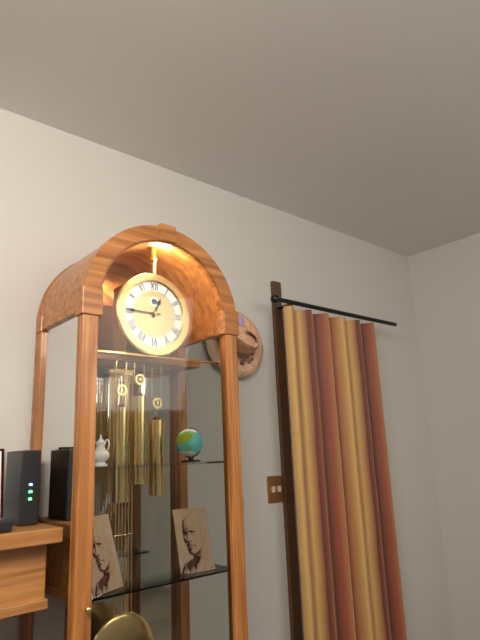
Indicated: 12,45
